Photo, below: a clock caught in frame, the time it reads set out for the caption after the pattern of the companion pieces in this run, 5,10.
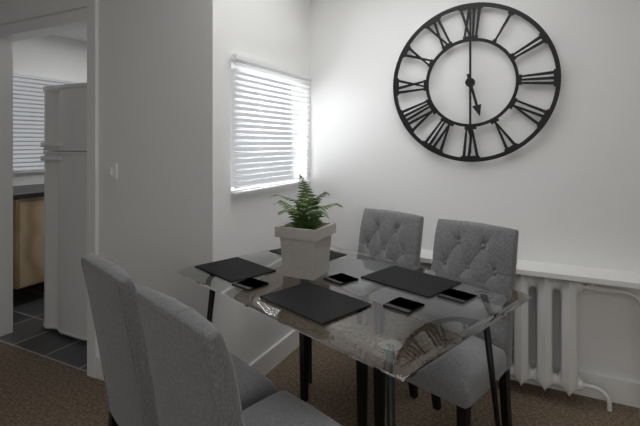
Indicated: 5,30
